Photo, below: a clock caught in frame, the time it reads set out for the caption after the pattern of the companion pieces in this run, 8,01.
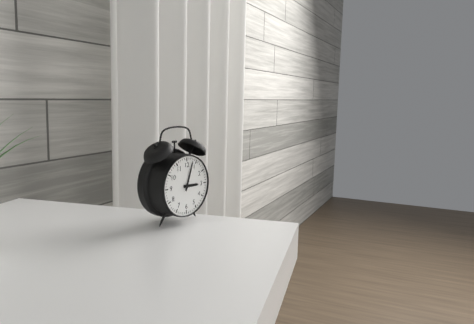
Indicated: 3,03
